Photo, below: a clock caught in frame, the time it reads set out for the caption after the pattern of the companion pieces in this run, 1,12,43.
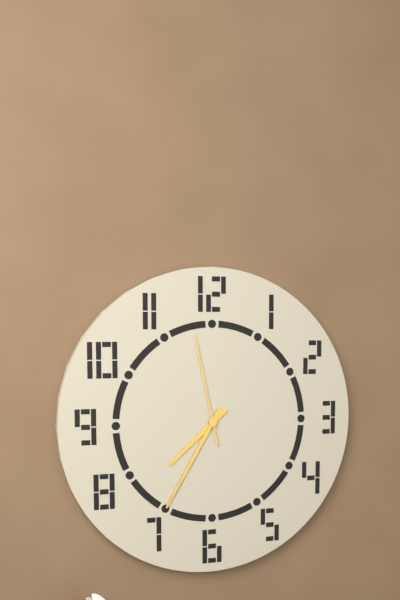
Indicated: 7,35,58
